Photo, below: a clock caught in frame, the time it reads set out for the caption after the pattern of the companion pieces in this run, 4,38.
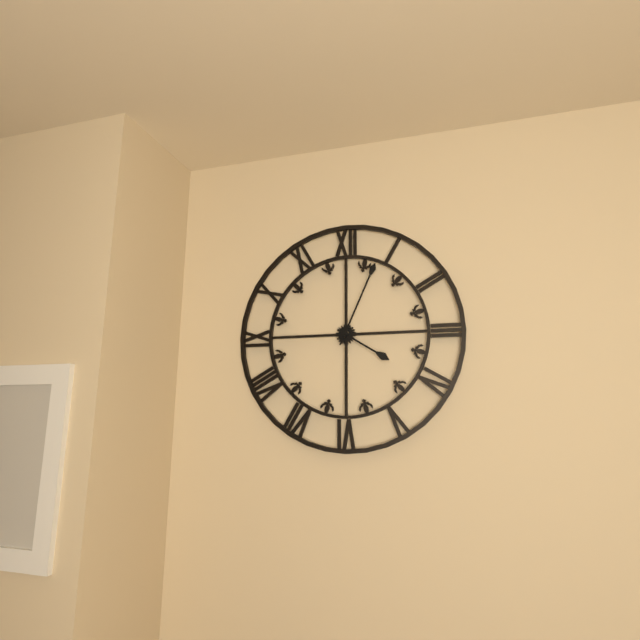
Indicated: 4,04
